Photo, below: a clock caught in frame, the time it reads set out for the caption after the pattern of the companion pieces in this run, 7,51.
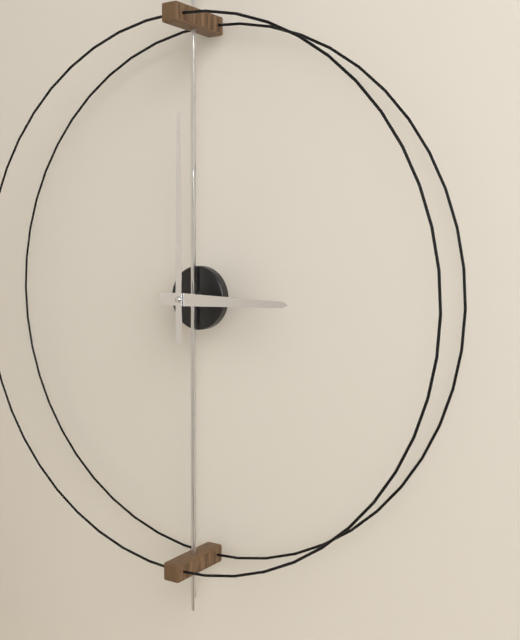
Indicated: 3,00
